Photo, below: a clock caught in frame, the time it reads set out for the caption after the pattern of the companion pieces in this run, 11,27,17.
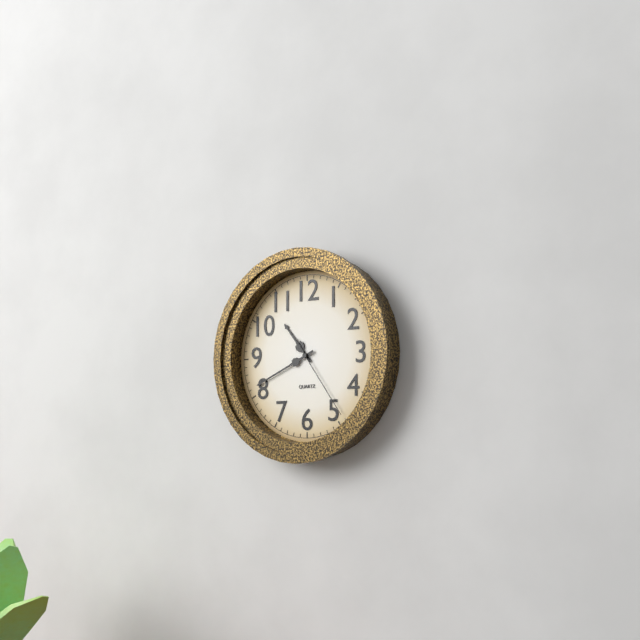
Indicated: 10,41,24
